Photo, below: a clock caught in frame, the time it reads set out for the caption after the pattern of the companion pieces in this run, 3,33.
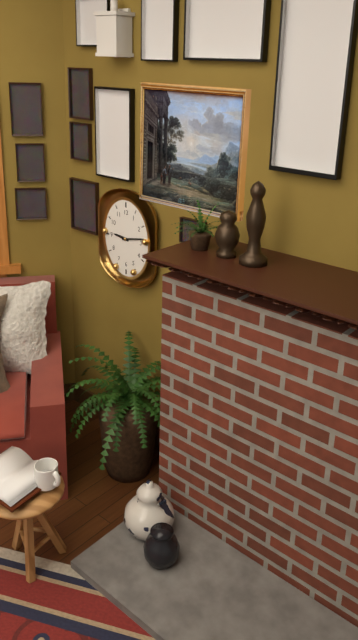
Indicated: 9,13
